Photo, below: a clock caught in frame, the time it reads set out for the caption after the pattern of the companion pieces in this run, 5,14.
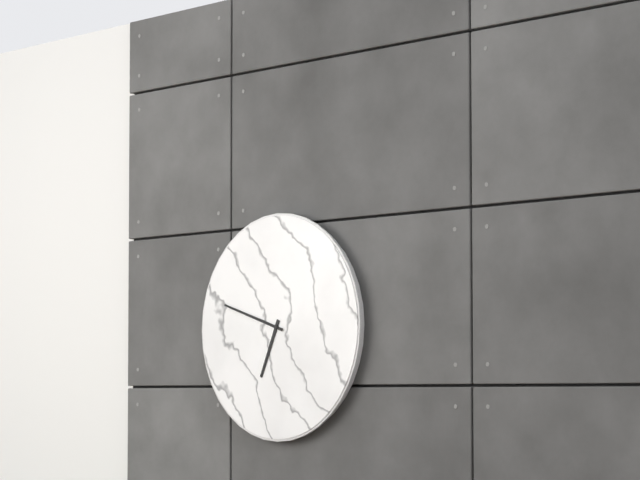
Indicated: 6,48
